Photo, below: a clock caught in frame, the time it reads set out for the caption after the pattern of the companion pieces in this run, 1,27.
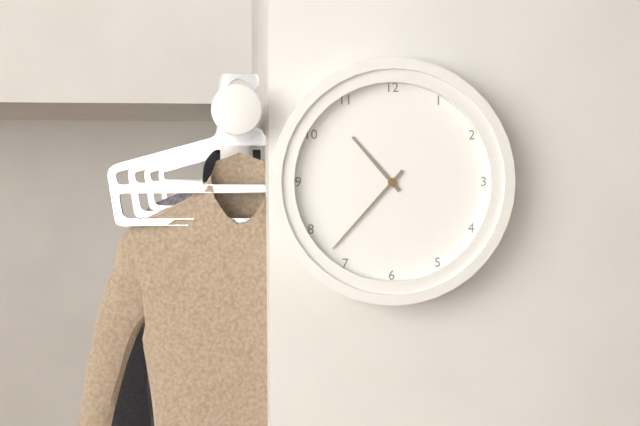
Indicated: 10,37
